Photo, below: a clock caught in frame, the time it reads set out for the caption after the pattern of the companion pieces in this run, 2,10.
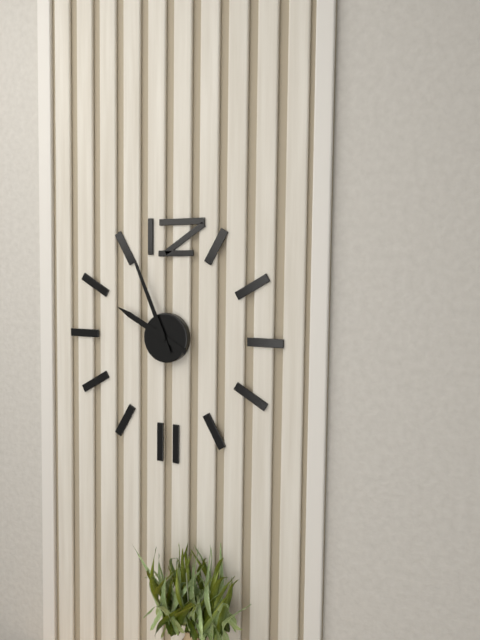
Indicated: 9,56
